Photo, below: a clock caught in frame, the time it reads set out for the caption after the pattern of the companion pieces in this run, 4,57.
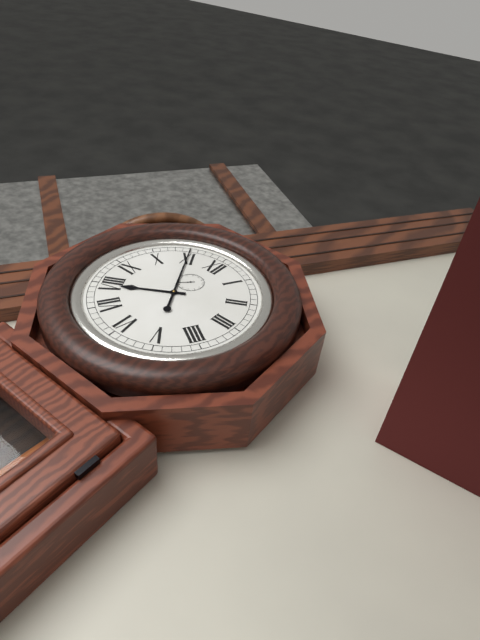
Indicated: 7,55
